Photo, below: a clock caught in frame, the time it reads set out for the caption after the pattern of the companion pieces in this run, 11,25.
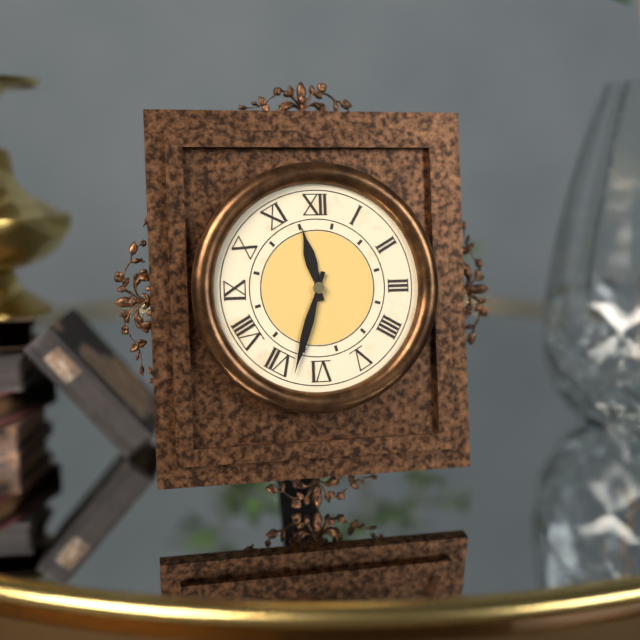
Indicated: 11,33
